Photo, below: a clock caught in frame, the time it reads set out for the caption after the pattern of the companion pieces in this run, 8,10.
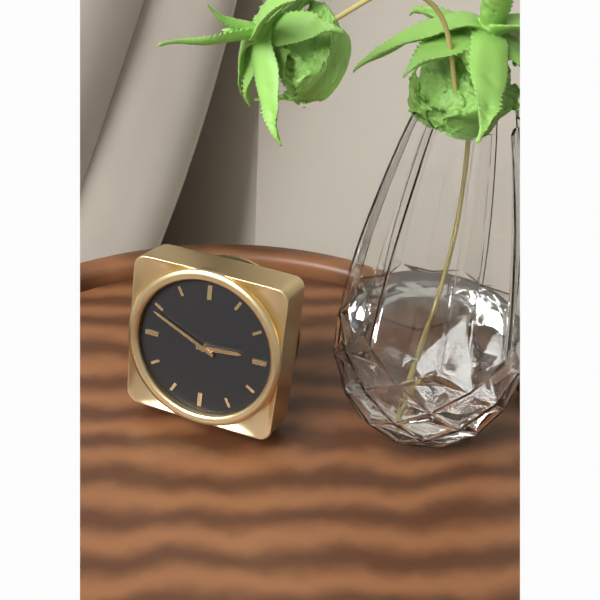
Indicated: 2,49
